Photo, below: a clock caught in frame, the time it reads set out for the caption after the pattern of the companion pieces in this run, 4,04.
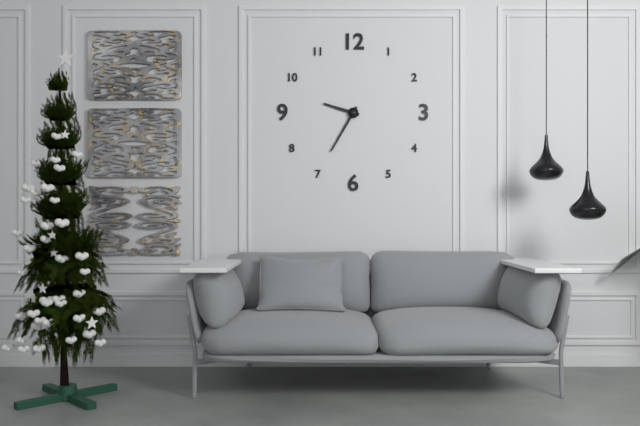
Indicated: 9,35
